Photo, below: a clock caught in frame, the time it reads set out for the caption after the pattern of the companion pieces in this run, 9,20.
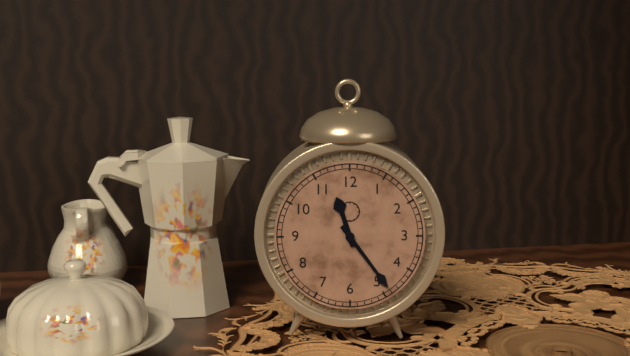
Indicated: 11,24
